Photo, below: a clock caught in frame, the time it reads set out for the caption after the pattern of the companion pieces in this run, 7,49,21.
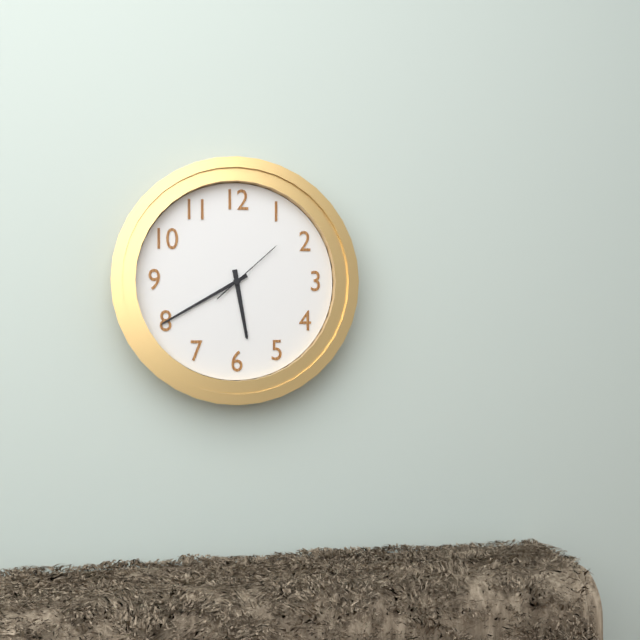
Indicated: 5,40,08
